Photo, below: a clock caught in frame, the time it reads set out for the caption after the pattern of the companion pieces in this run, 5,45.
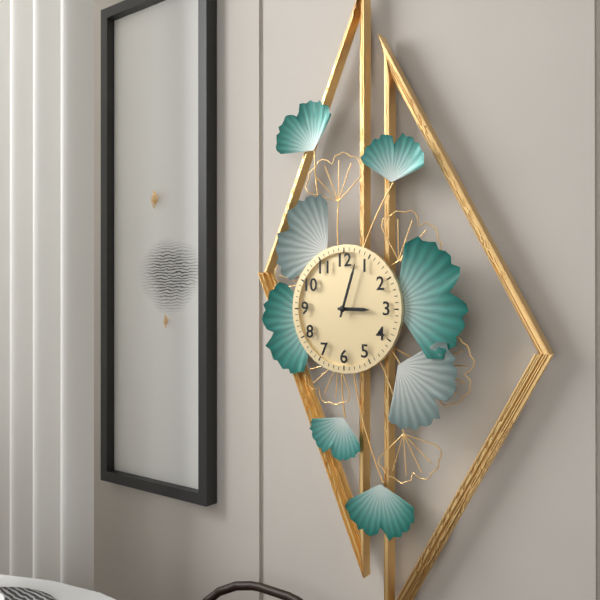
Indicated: 3,03
